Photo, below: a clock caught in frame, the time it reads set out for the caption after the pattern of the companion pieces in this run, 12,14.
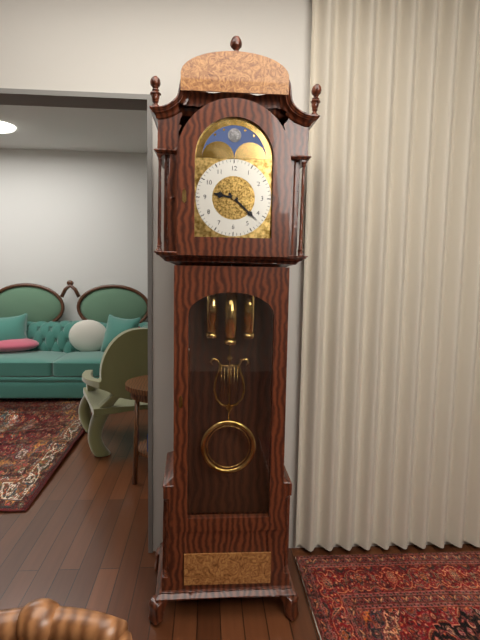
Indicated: 9,22
